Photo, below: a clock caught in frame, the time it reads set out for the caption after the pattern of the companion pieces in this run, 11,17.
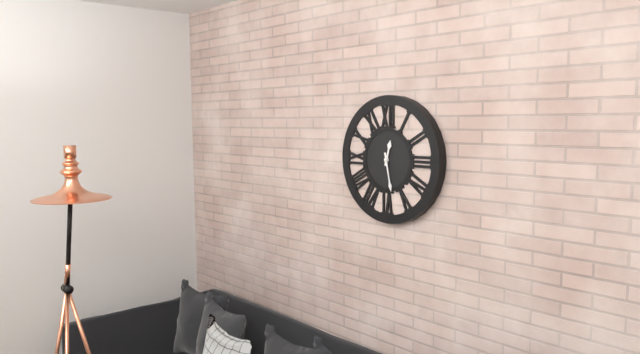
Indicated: 12,28
